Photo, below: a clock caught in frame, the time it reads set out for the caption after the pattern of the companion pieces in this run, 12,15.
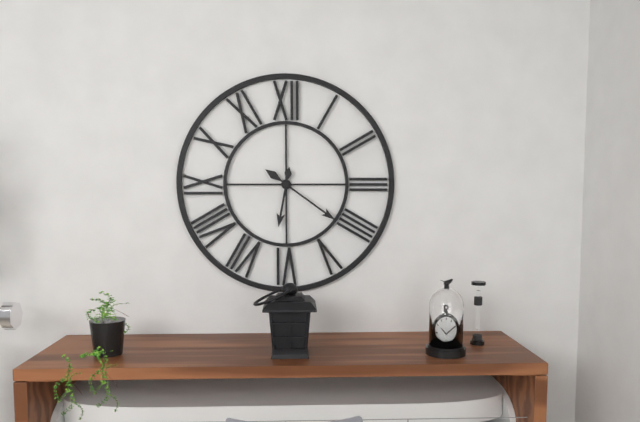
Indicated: 6,21
